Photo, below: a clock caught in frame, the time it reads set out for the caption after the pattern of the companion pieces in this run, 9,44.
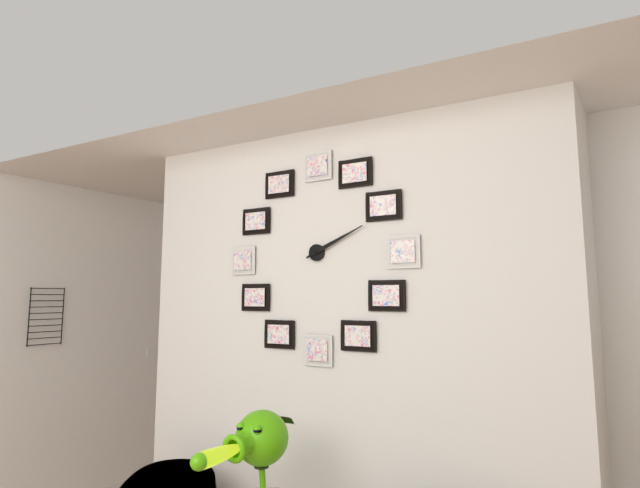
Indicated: 2,11
